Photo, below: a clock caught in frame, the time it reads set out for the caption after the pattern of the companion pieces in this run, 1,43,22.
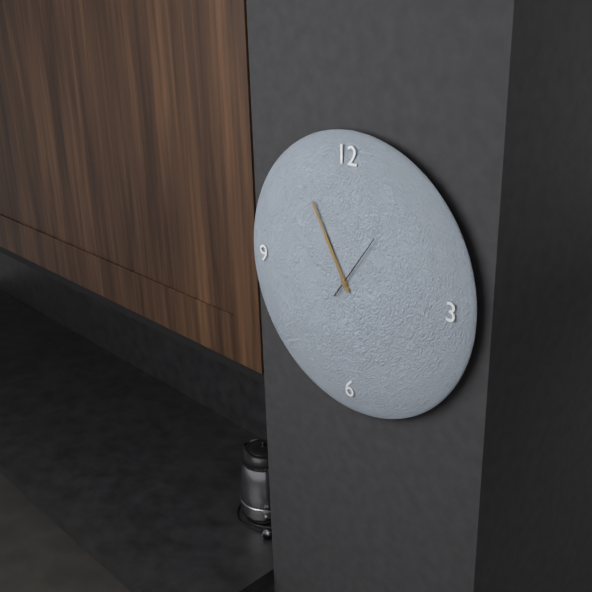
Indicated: 10,55,06
